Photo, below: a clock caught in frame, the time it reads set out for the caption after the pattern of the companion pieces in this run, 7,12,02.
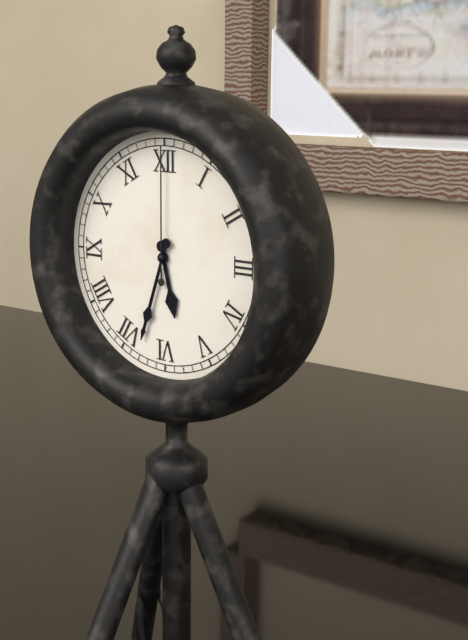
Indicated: 5,33,00
